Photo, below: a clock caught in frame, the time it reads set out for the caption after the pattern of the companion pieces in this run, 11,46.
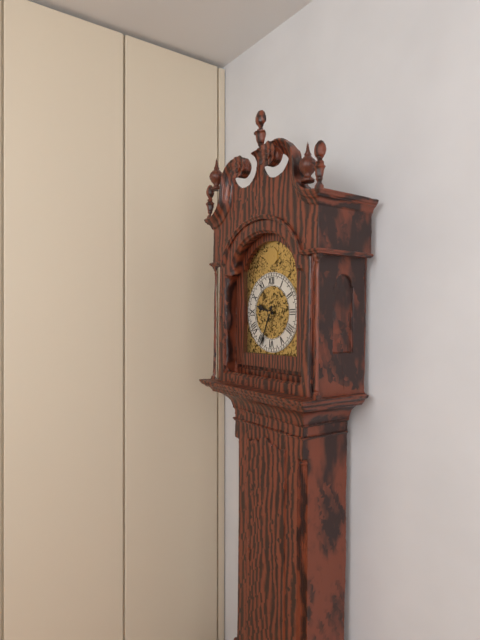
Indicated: 9,34
